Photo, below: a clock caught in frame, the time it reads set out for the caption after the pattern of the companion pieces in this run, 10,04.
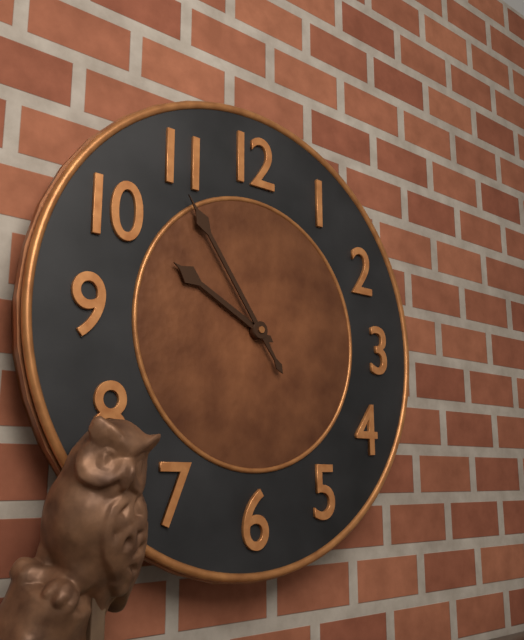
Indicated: 9,54
